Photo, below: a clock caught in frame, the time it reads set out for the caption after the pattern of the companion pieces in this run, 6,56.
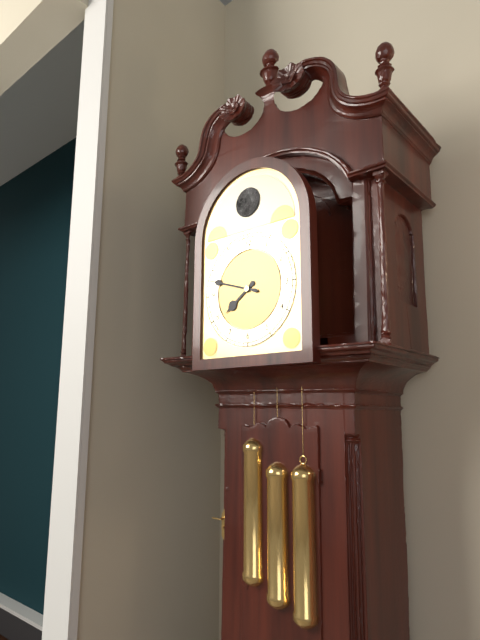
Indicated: 7,48
